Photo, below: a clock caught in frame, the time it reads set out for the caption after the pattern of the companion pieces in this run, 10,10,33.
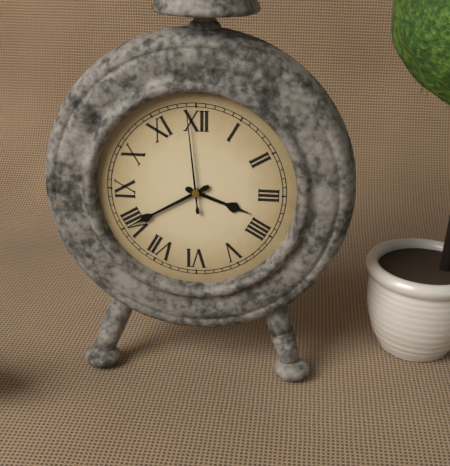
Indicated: 3,40,59
